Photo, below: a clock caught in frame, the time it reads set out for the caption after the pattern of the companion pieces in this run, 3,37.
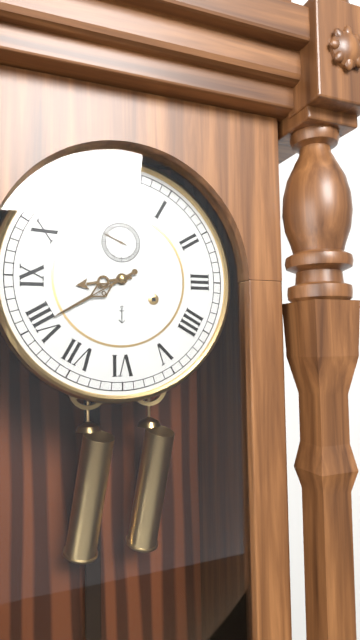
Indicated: 8,40
